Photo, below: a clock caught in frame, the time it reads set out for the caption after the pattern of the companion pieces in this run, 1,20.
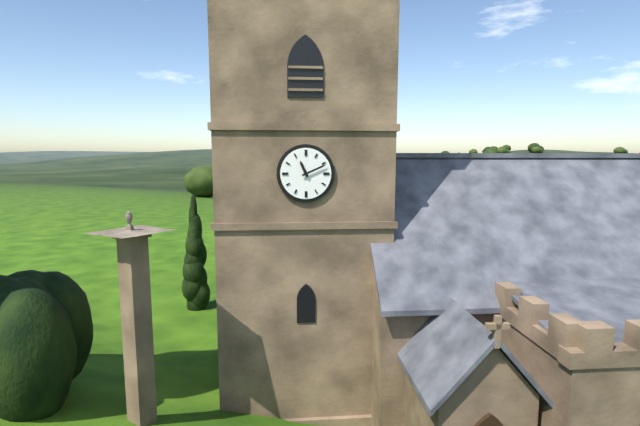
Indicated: 11,11
